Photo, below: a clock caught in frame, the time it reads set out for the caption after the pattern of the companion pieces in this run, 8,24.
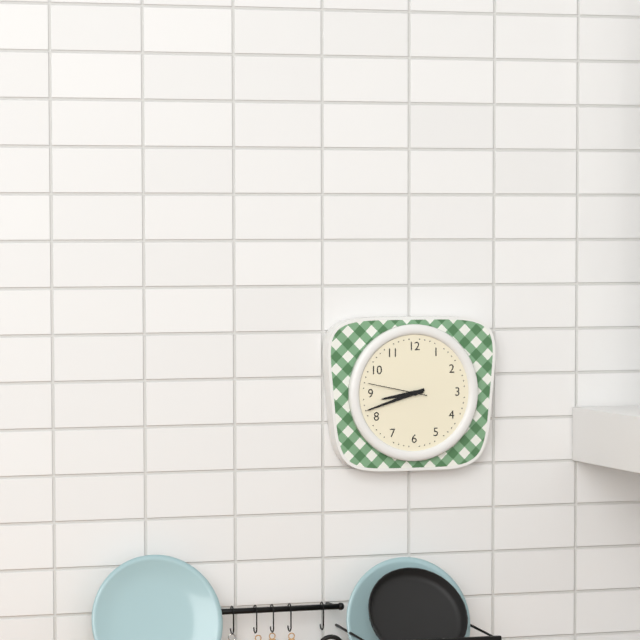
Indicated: 8,42
